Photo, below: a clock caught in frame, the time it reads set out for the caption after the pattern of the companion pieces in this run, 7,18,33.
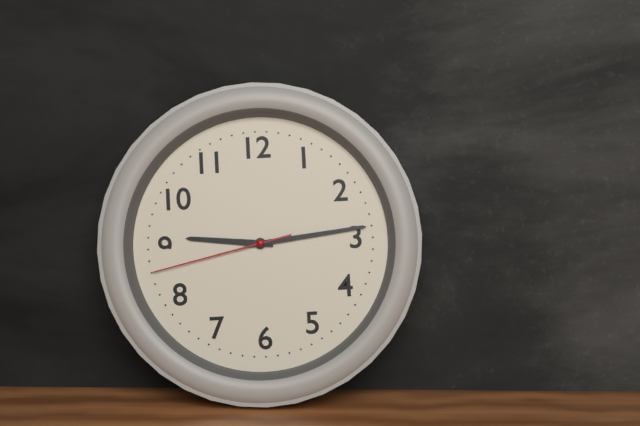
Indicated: 9,14,43
